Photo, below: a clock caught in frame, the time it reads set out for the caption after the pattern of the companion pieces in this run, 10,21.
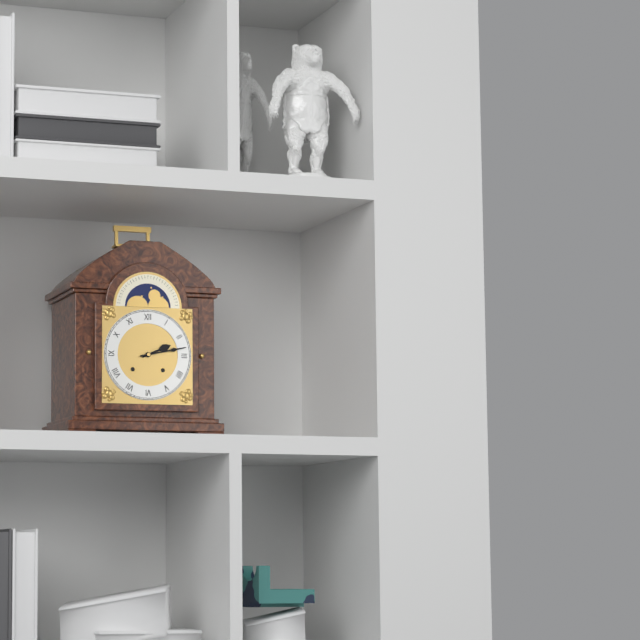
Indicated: 2,13
